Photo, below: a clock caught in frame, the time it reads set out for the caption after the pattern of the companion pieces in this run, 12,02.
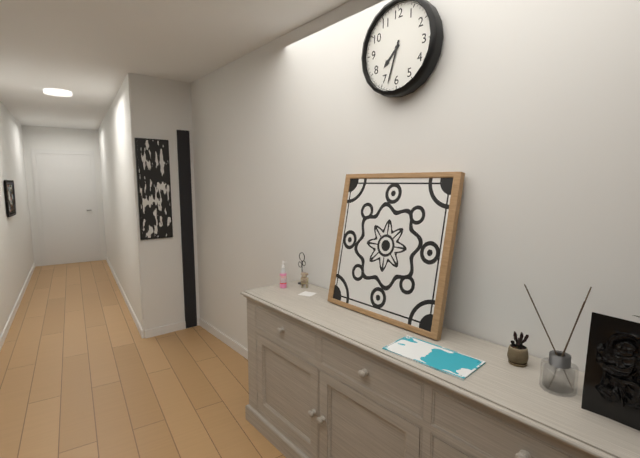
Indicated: 7,33
